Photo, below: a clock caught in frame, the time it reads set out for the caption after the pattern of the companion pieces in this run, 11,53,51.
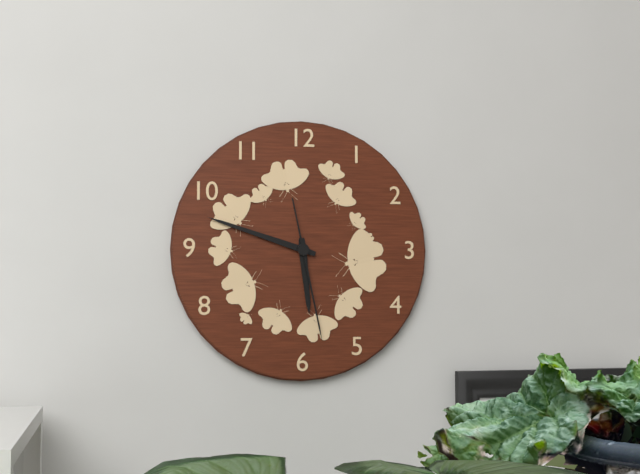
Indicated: 5,48,28
